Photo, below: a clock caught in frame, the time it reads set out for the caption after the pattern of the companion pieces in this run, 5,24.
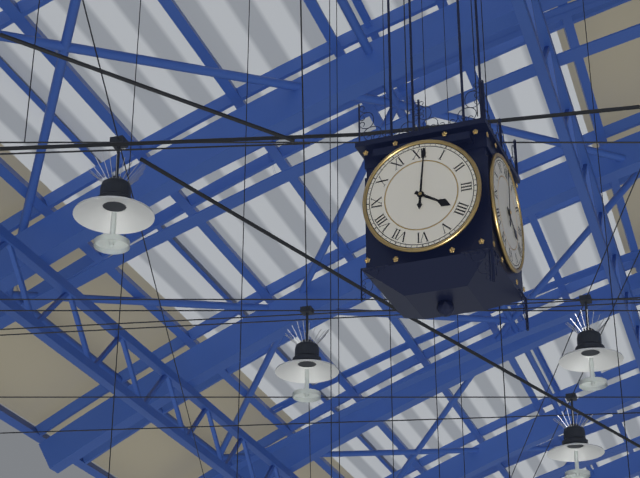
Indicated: 4,01
